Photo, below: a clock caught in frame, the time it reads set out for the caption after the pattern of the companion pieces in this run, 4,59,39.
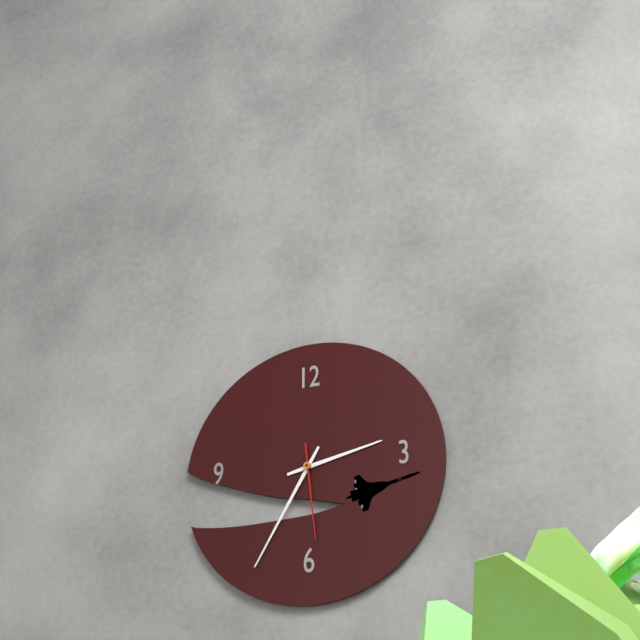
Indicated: 2,35,29
